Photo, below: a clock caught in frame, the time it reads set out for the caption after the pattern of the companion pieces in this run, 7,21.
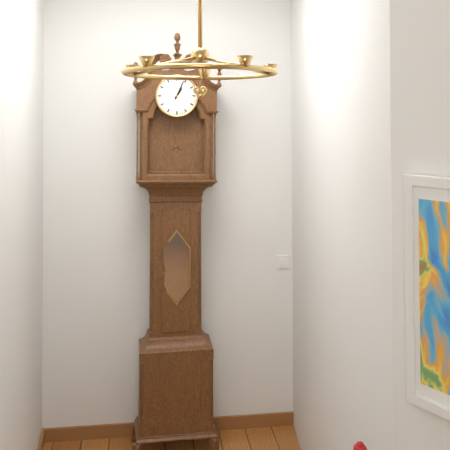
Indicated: 1,04
